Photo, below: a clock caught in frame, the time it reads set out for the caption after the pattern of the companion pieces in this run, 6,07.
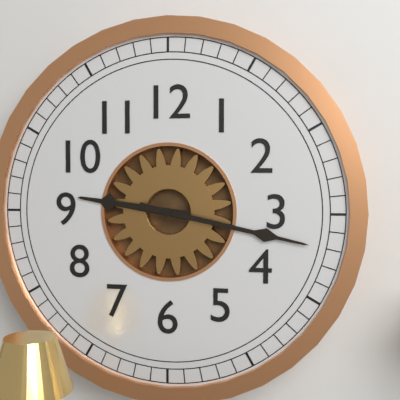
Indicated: 9,17
